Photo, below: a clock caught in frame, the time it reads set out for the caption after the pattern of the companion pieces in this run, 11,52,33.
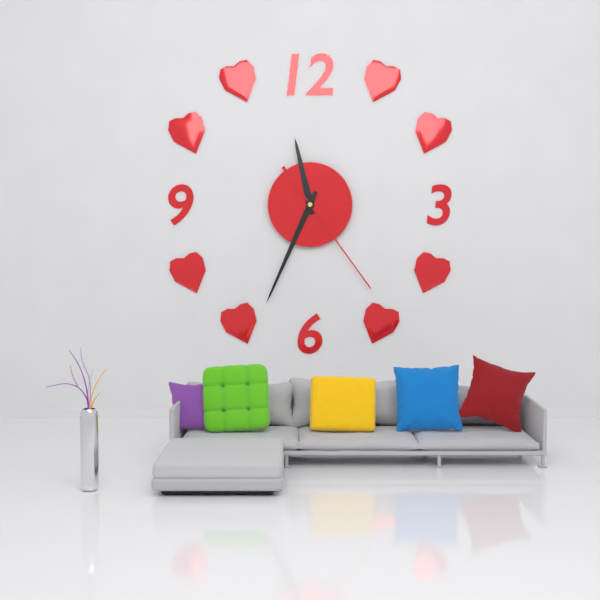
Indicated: 11,34,24
